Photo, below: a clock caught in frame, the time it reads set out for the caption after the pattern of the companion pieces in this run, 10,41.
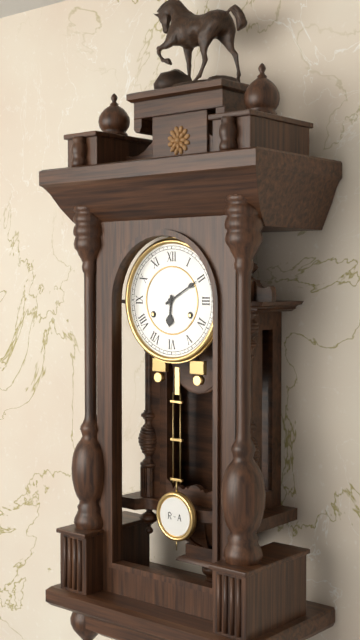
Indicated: 6,10
